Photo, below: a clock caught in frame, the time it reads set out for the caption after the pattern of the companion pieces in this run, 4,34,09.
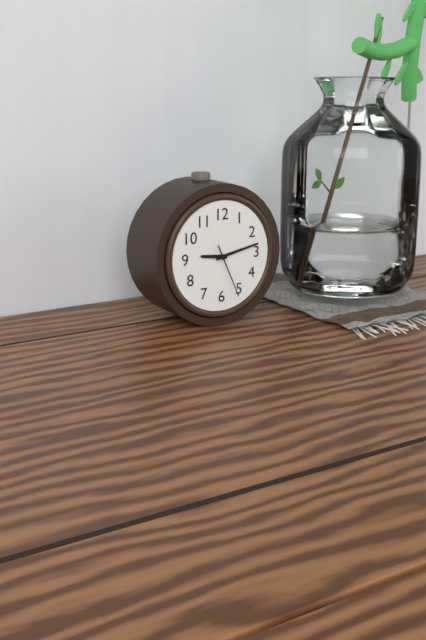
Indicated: 9,13,26
